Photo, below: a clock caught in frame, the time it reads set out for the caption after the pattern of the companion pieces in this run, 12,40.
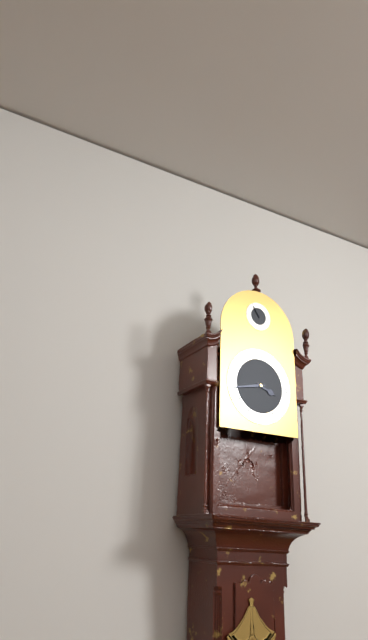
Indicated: 3,43
